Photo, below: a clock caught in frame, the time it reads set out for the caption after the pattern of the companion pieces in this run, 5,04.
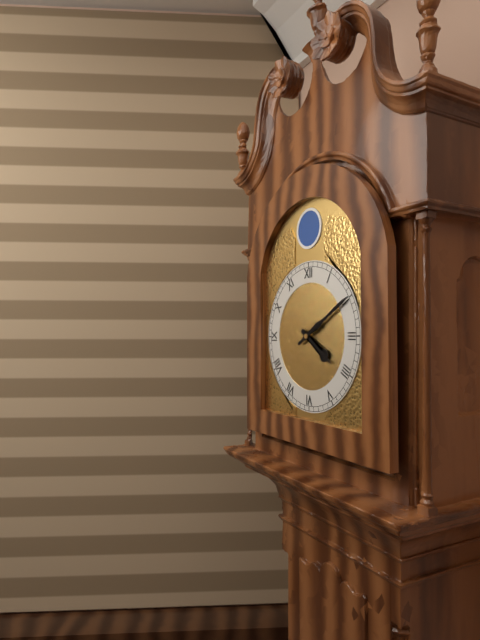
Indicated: 4,10
